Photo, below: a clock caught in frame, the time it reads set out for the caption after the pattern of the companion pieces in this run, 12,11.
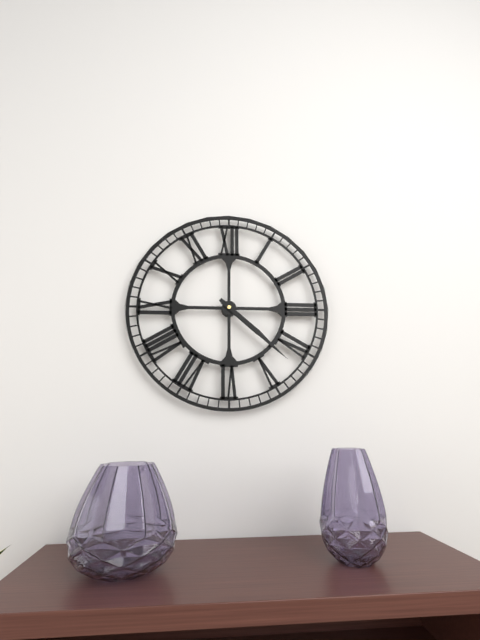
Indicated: 4,22
